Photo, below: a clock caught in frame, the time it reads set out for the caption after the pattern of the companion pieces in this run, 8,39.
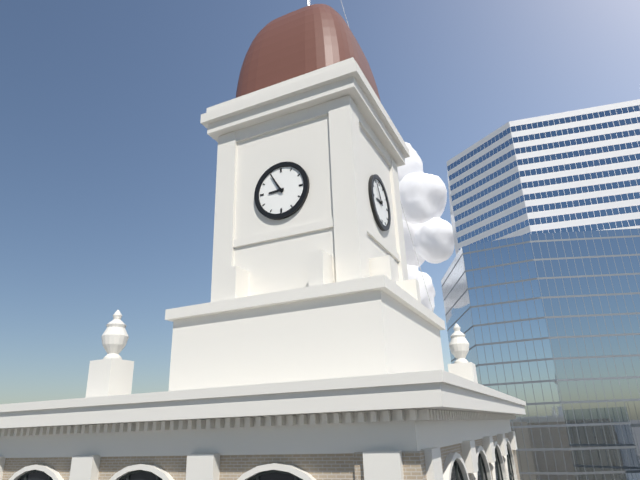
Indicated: 8,55
